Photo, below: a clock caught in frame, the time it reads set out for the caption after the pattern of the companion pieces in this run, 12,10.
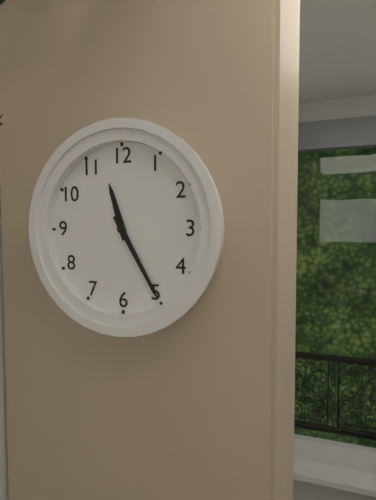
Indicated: 11,25
